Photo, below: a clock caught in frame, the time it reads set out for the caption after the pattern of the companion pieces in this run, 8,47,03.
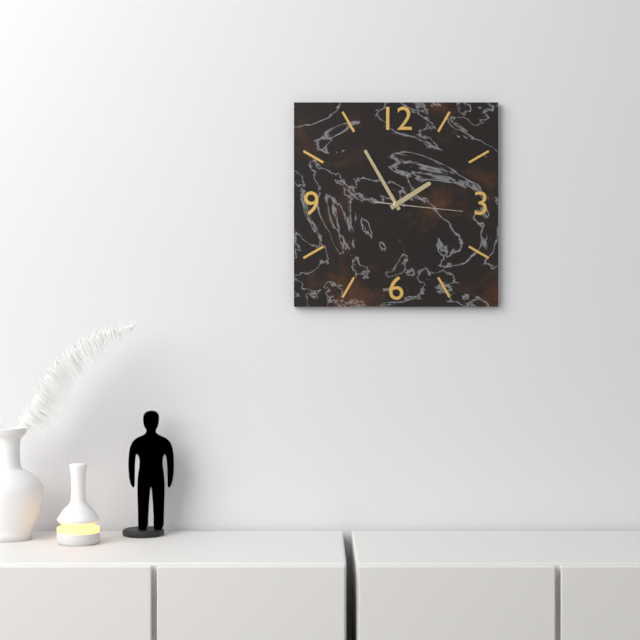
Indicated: 1,55,16
